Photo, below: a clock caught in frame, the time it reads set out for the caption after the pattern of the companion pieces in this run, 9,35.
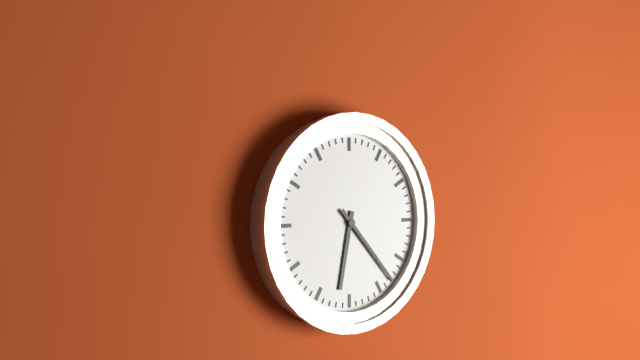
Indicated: 6,23
